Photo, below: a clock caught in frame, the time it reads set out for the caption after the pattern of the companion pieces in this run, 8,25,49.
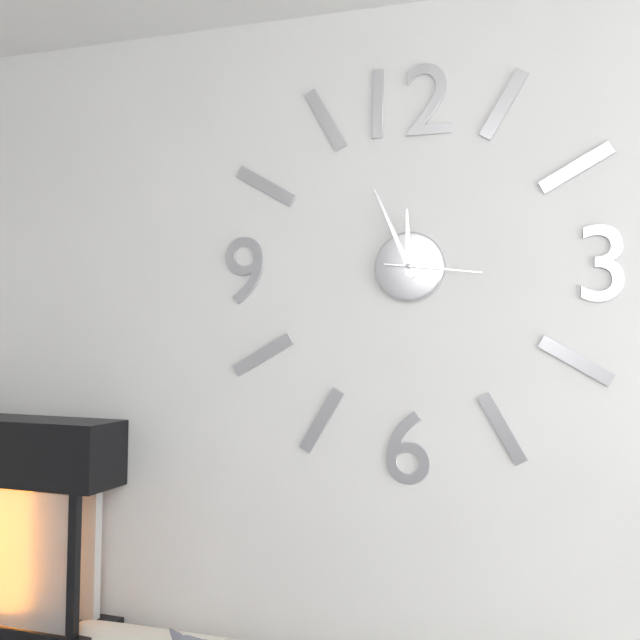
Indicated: 11,56,16
